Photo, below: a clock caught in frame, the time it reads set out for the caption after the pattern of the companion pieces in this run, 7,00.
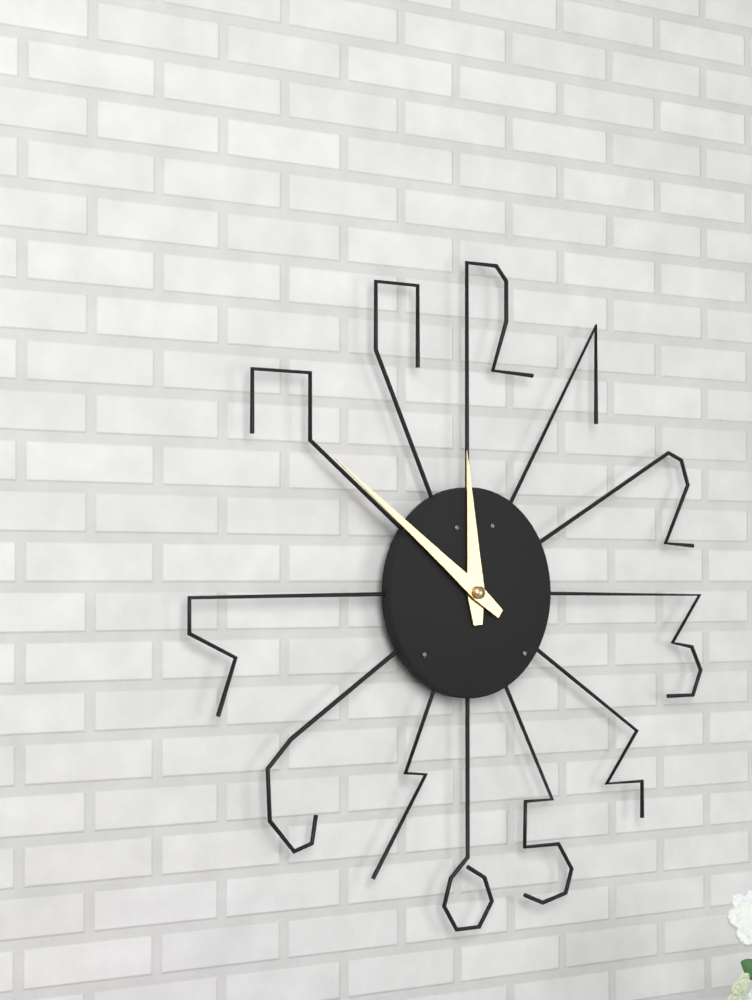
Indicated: 11,51
